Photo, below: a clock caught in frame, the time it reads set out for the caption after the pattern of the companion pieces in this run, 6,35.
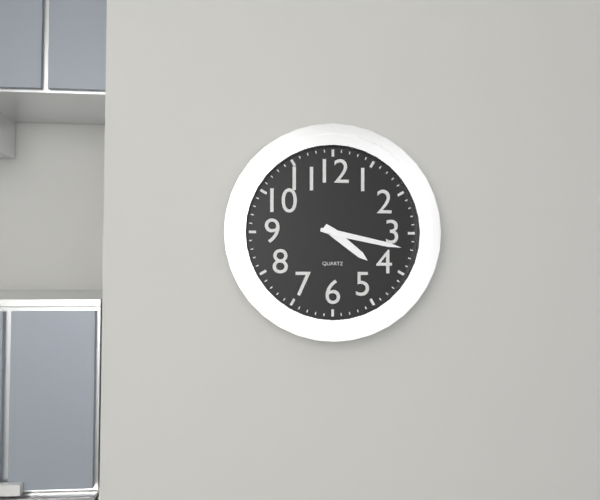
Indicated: 4,17
